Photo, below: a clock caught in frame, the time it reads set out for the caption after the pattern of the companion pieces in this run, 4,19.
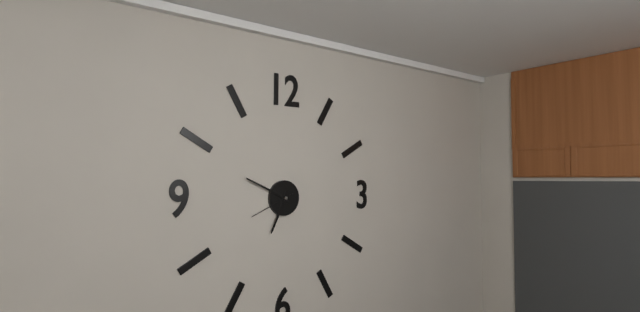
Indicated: 6,49
